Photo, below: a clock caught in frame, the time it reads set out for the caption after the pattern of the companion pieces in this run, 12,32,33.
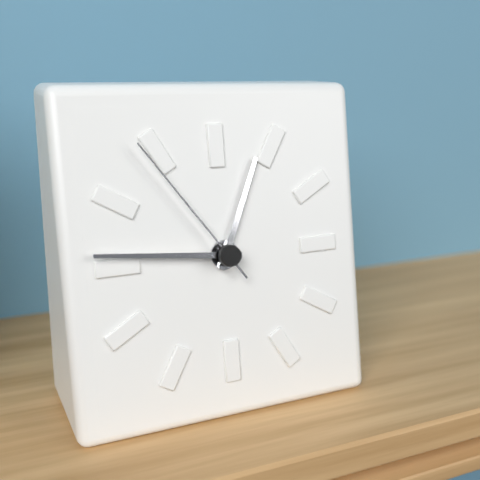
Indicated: 12,46,54
